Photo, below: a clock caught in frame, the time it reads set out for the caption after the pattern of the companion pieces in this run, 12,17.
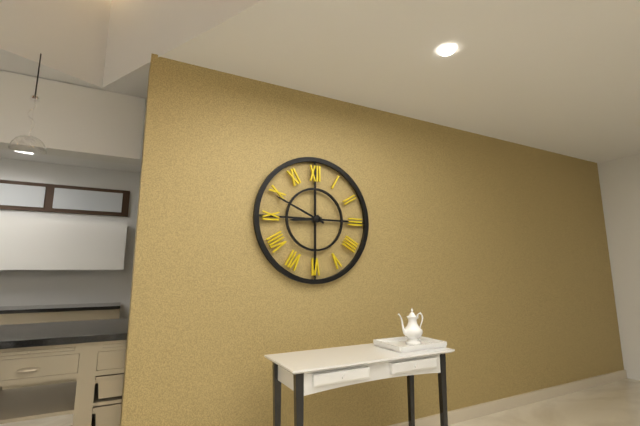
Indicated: 8,49
